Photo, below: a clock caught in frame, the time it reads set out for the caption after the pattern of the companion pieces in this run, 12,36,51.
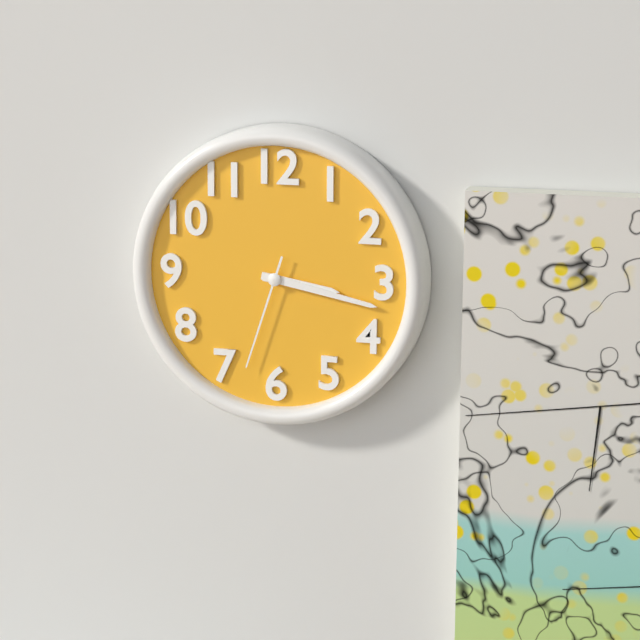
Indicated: 3,17,33
